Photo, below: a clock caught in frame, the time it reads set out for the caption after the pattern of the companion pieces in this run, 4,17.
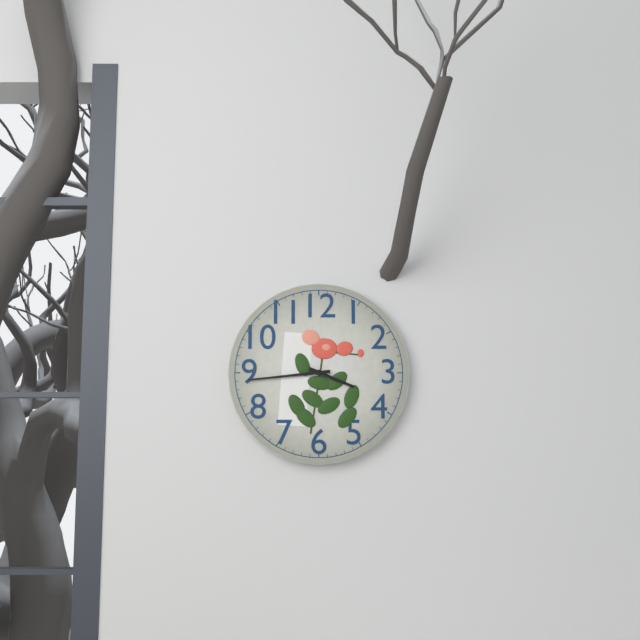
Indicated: 3,44
